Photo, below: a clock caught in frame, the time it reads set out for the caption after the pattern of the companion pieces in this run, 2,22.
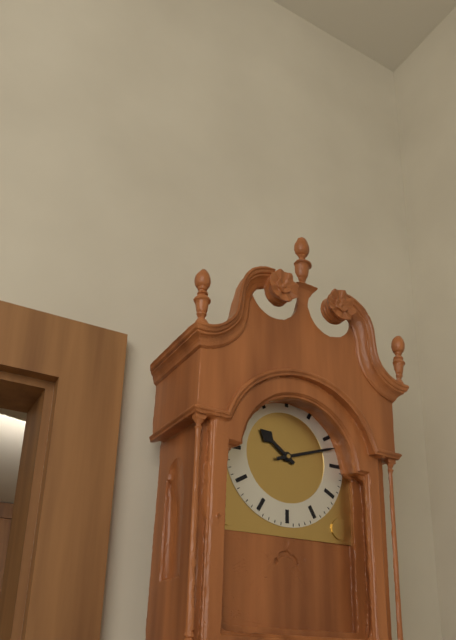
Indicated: 10,12
